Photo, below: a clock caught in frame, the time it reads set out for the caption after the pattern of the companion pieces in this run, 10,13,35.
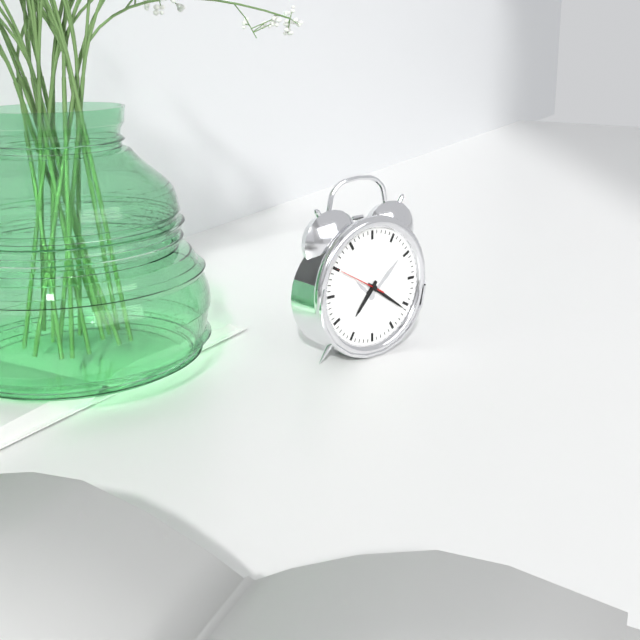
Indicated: 7,21,50
